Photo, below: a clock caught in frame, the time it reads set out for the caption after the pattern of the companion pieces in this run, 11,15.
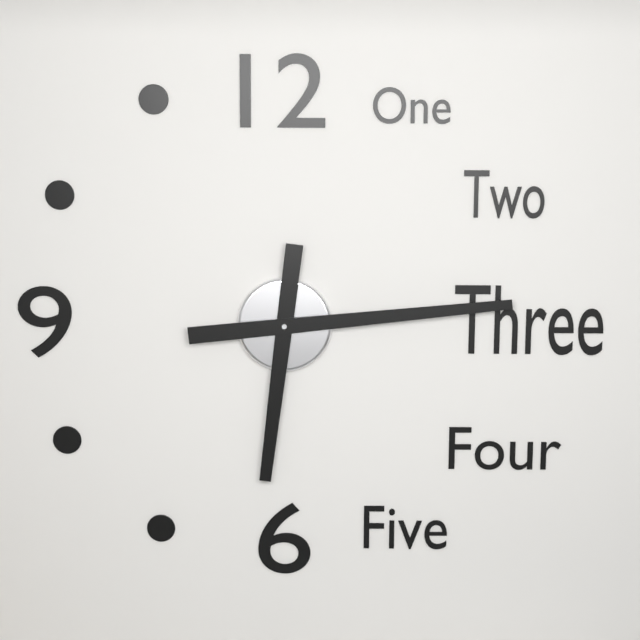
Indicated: 6,14
